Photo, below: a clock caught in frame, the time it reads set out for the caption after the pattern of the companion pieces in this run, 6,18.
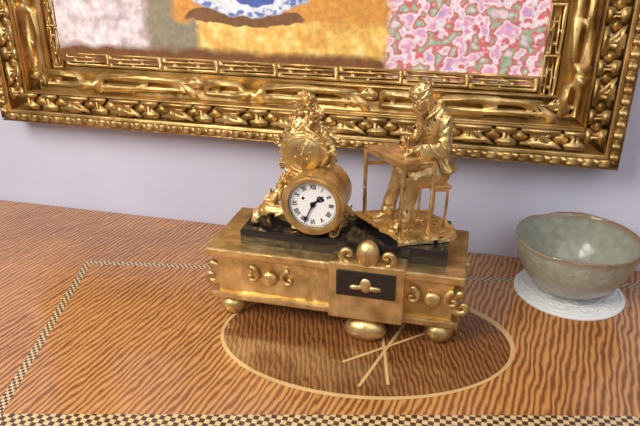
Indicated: 1,34
